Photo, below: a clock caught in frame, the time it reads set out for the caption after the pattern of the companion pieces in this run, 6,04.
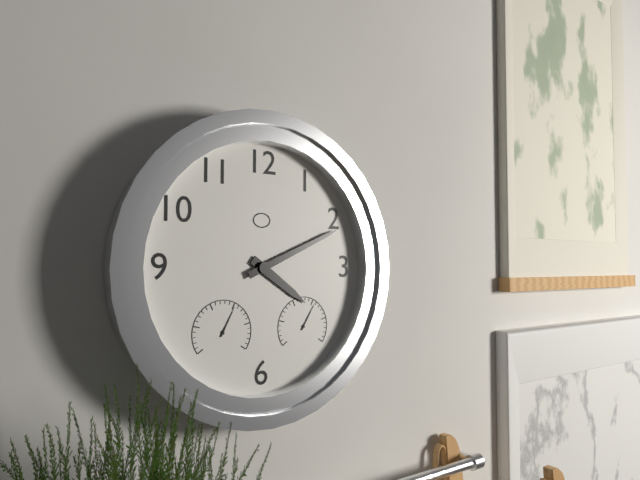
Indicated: 4,11
